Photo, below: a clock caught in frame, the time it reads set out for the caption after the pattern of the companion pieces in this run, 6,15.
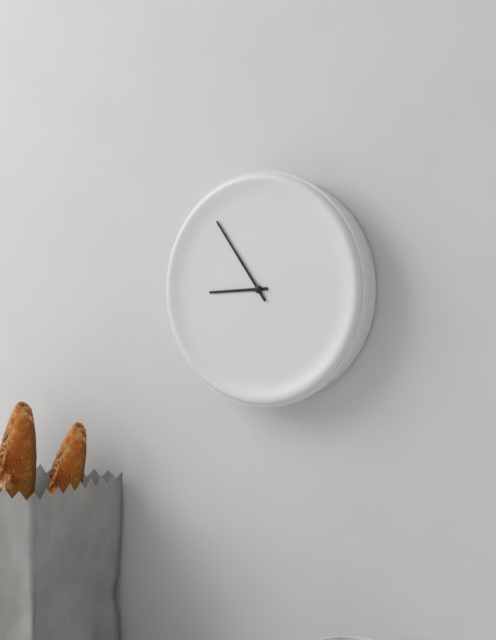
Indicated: 8,54
